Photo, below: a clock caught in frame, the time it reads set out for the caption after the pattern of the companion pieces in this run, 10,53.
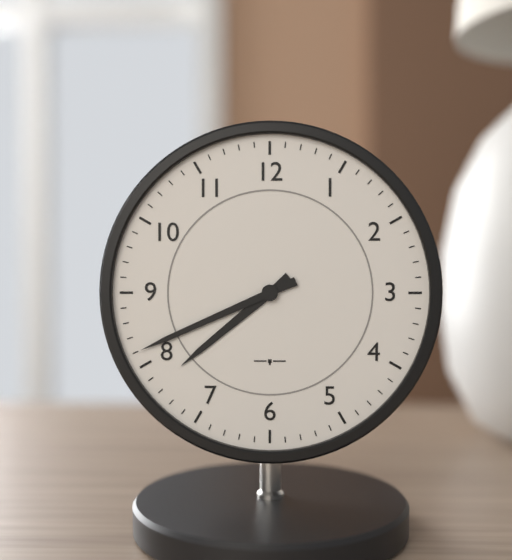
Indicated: 7,41
